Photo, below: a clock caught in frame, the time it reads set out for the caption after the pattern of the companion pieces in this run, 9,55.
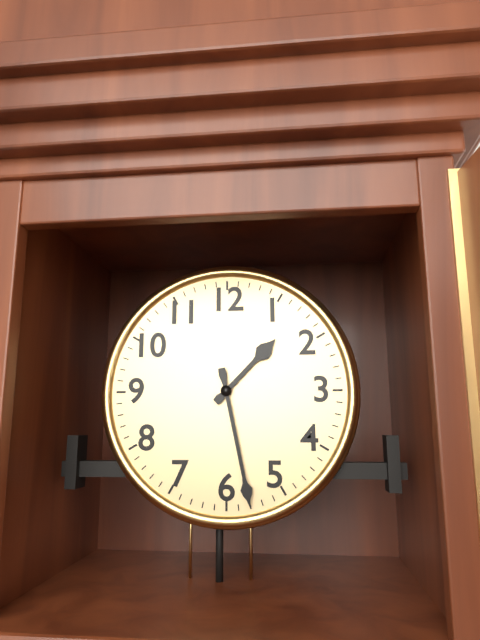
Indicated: 1,28
